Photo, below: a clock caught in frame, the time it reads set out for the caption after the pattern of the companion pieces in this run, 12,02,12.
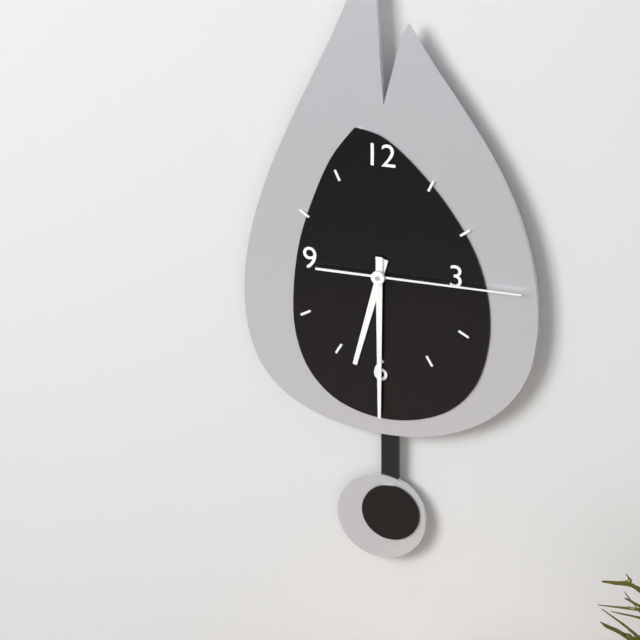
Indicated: 6,30,15
